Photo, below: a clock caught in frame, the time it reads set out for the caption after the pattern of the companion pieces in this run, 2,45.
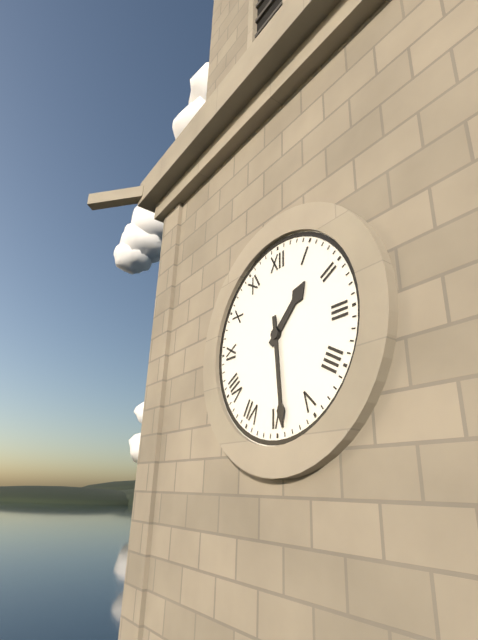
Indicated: 1,29
